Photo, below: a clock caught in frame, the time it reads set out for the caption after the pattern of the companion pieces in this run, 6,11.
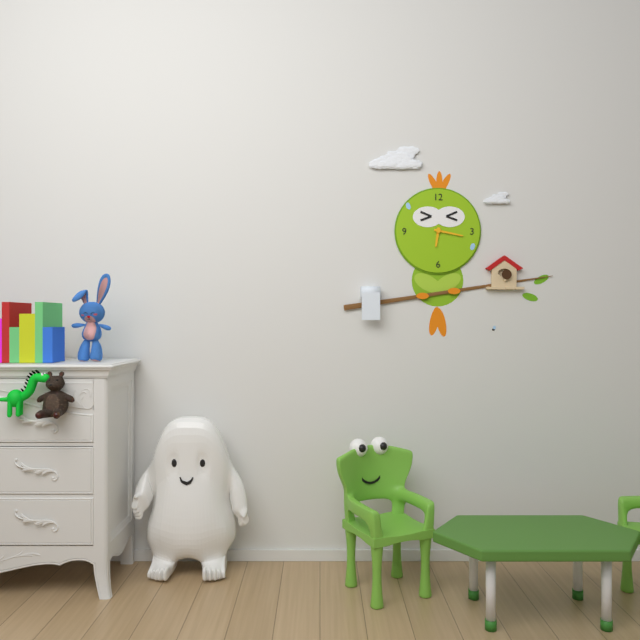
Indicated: 6,17
